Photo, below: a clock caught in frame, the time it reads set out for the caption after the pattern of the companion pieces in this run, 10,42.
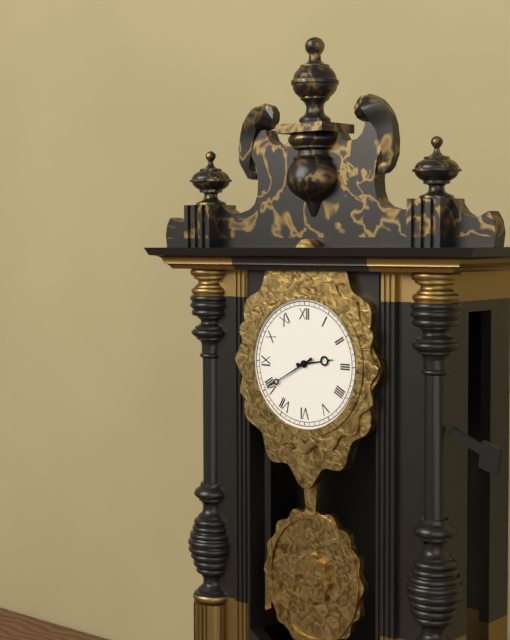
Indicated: 2,40
